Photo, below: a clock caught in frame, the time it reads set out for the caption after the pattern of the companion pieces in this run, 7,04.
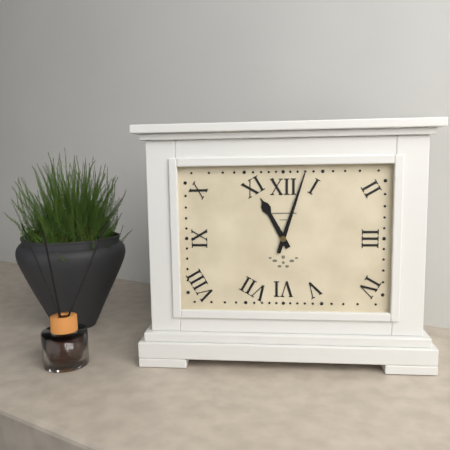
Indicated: 11,03
